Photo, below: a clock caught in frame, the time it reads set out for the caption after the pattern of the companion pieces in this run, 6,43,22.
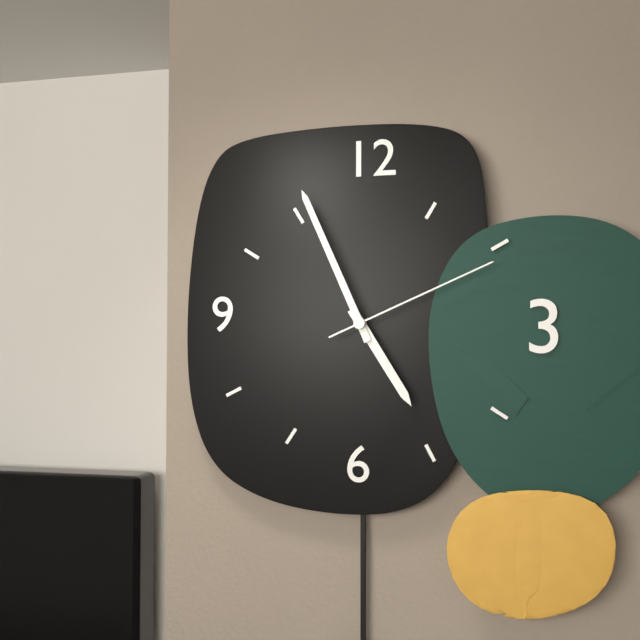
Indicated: 4,56,11
